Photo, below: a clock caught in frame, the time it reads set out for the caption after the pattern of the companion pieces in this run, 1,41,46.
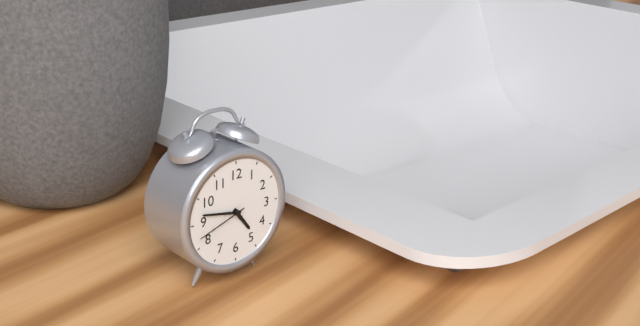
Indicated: 4,47,42
